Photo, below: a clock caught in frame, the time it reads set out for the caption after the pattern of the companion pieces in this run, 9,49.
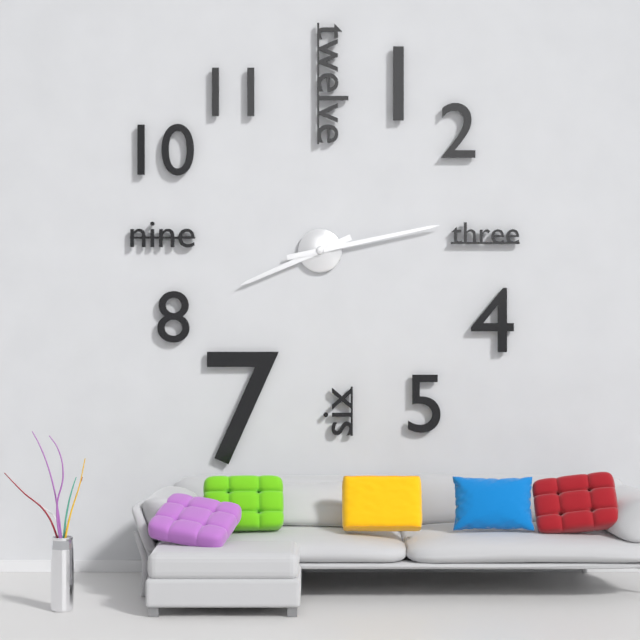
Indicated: 8,13
